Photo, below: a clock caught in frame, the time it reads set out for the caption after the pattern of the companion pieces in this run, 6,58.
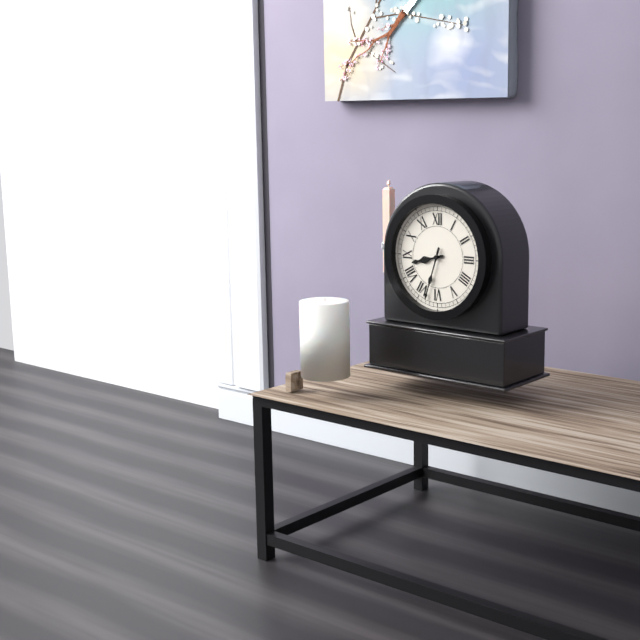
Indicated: 8,33
